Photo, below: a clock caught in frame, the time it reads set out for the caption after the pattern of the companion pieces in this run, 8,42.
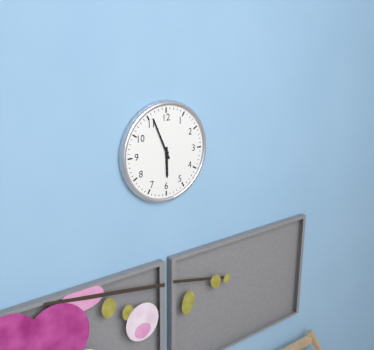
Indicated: 5,56
